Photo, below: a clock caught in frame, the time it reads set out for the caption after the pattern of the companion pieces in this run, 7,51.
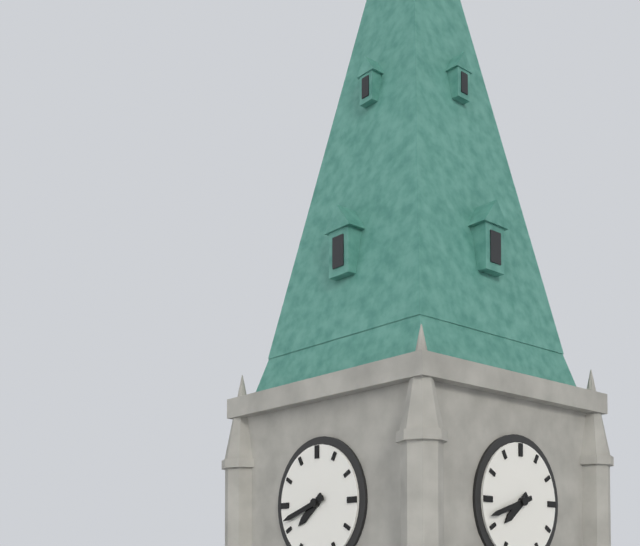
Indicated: 7,42
